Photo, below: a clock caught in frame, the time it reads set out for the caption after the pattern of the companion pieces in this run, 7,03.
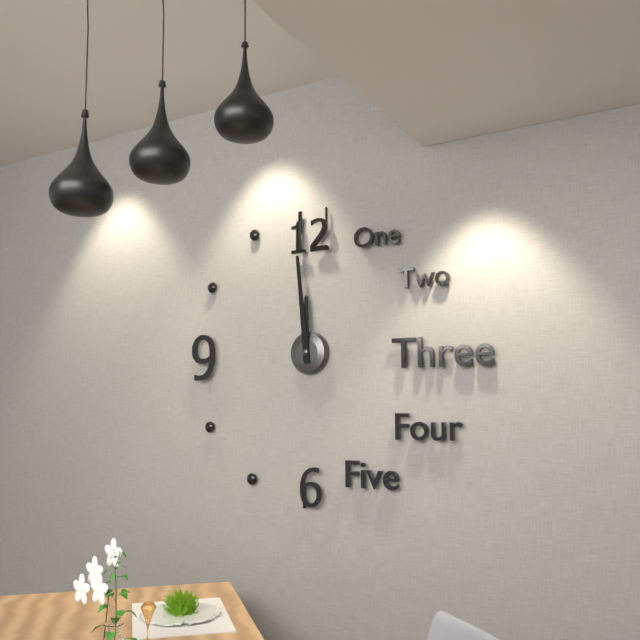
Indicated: 11,59
